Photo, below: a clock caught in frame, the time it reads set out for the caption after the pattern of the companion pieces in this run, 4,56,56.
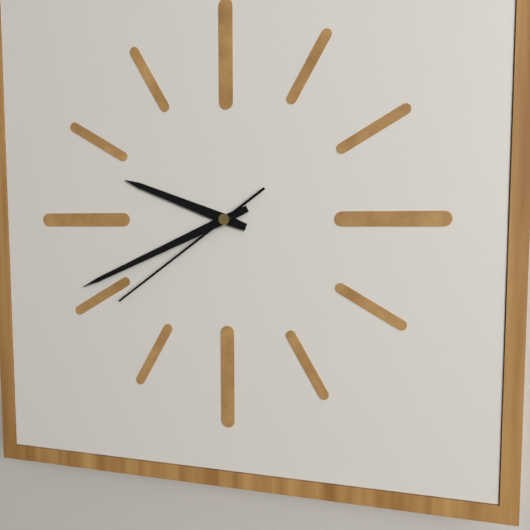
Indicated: 9,41,39
